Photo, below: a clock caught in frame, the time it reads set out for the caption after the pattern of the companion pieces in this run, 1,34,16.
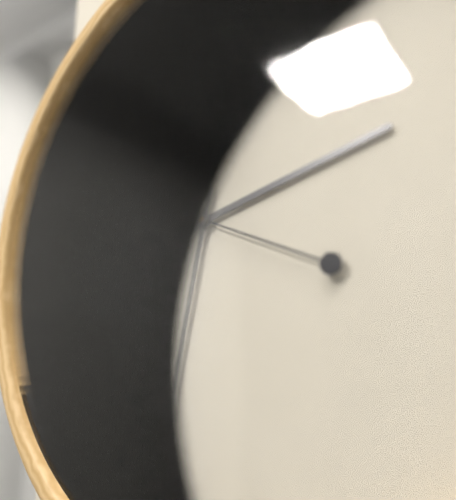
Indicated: 2,32,49
